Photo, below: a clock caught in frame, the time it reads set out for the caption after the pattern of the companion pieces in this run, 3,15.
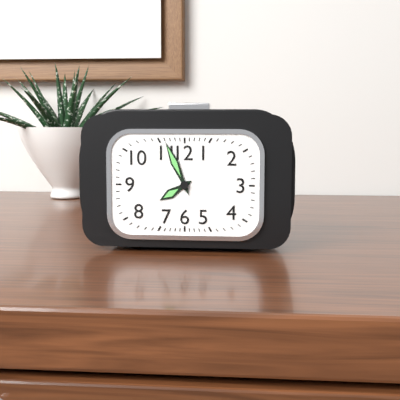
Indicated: 7,56
